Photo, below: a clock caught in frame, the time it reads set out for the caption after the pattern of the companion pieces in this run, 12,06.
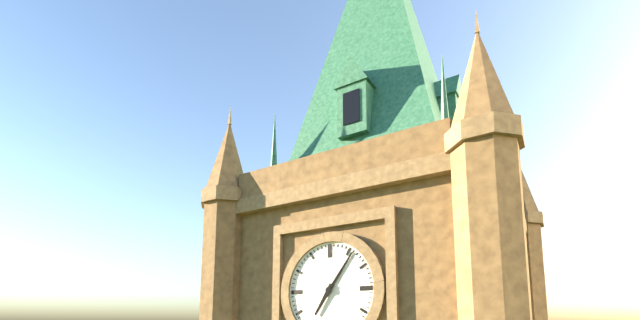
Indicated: 7,06
